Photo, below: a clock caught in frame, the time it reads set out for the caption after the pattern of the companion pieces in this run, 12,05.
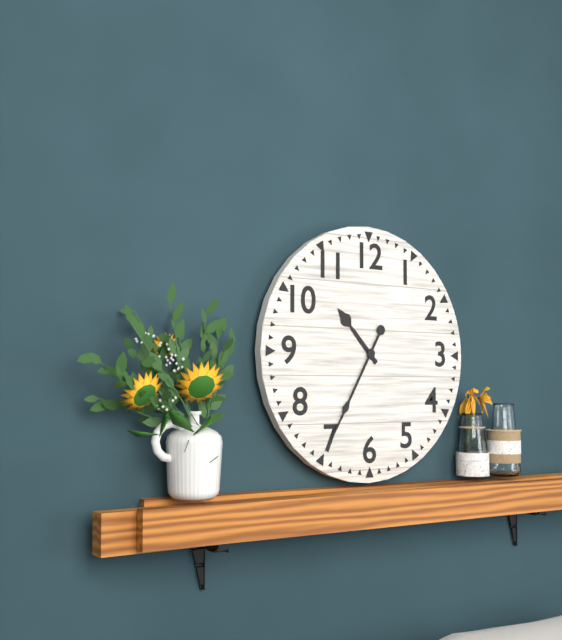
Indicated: 10,35
